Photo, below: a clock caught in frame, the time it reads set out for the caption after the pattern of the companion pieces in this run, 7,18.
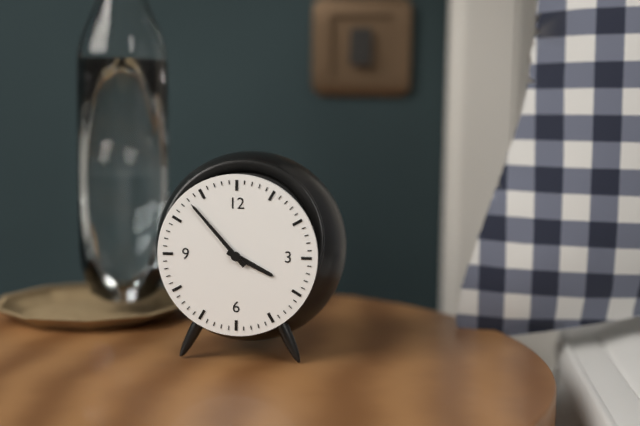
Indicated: 3,53
